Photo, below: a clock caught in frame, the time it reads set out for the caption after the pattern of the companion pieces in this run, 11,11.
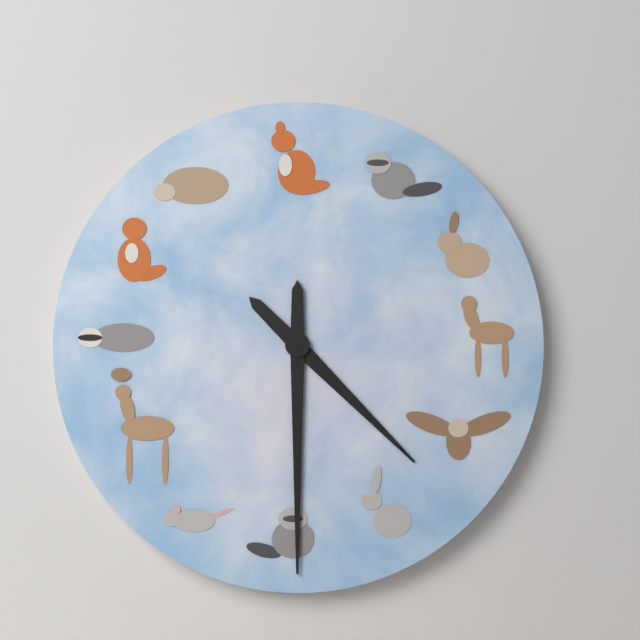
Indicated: 4,30
